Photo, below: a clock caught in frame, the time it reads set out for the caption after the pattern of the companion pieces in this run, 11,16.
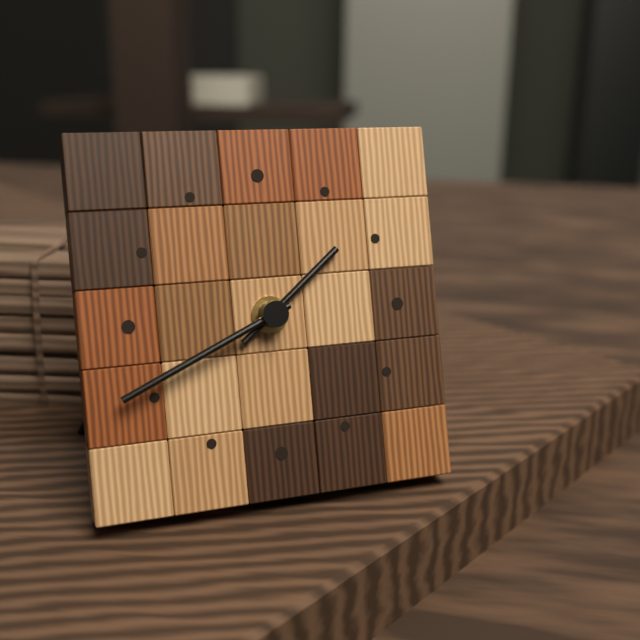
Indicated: 1,41
